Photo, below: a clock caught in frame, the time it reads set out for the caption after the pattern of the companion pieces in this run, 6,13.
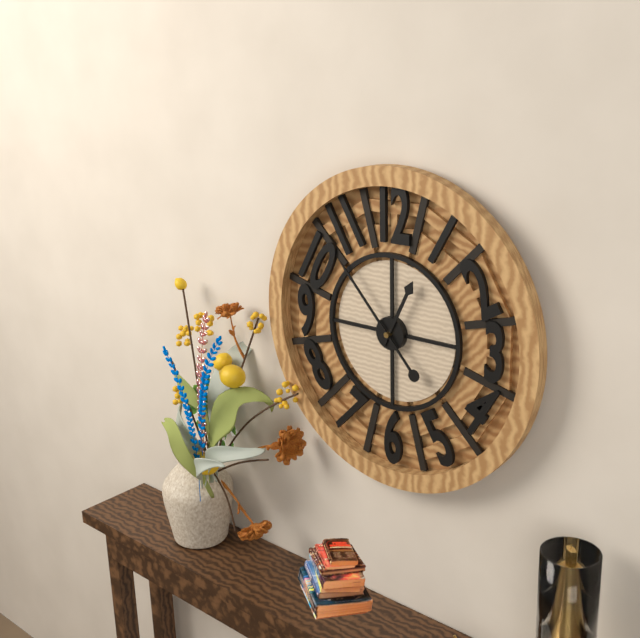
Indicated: 12,53
